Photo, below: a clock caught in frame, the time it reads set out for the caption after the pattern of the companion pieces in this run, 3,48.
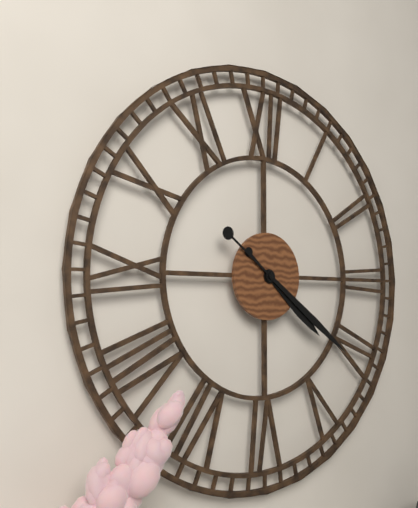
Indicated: 4,21
